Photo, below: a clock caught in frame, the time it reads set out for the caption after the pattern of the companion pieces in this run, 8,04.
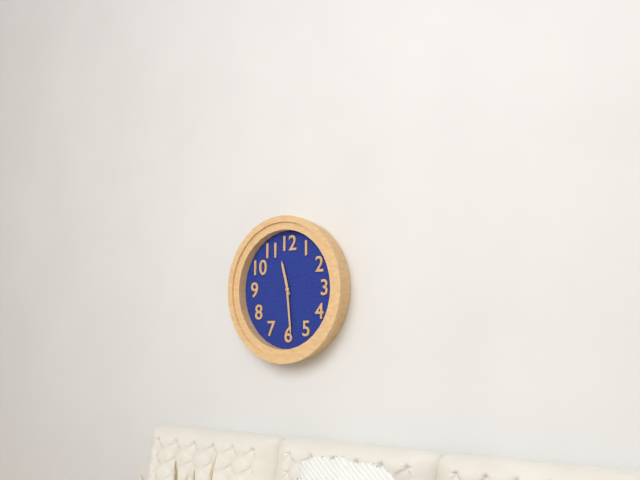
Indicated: 11,29
